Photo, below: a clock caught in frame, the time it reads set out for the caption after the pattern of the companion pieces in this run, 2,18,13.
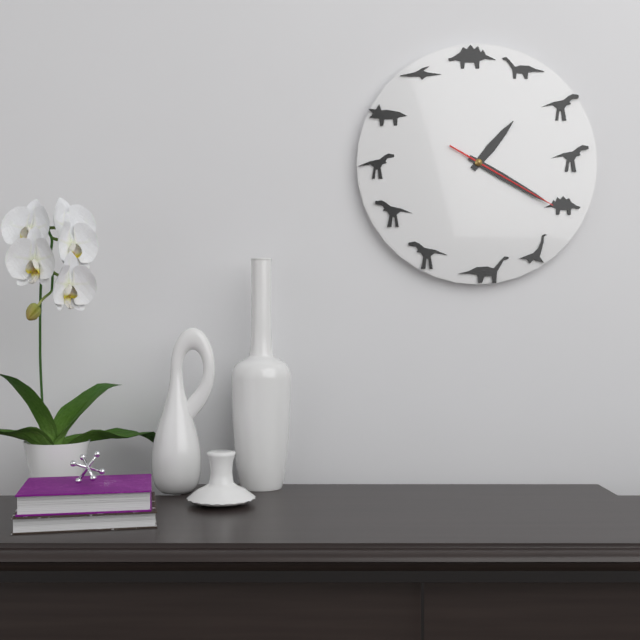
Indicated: 1,20,20
